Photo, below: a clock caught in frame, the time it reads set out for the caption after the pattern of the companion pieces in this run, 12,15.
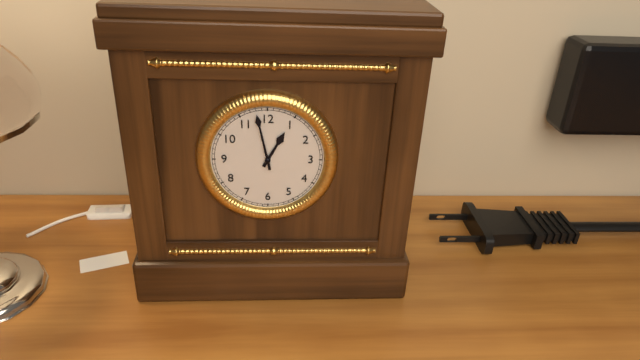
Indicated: 12,58
